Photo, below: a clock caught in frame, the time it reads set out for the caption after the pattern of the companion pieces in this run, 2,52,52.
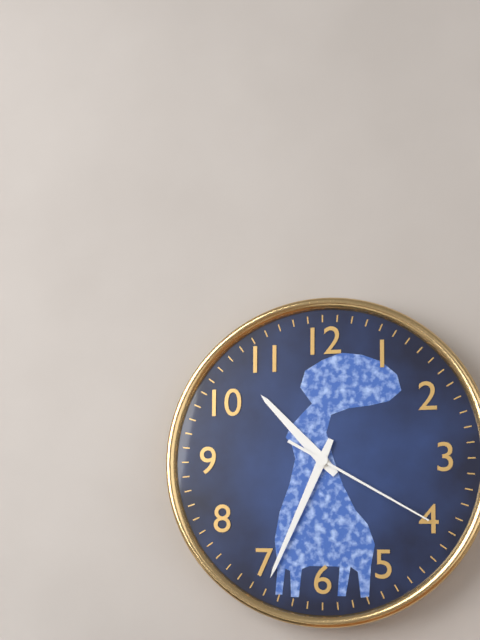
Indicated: 10,34,20
